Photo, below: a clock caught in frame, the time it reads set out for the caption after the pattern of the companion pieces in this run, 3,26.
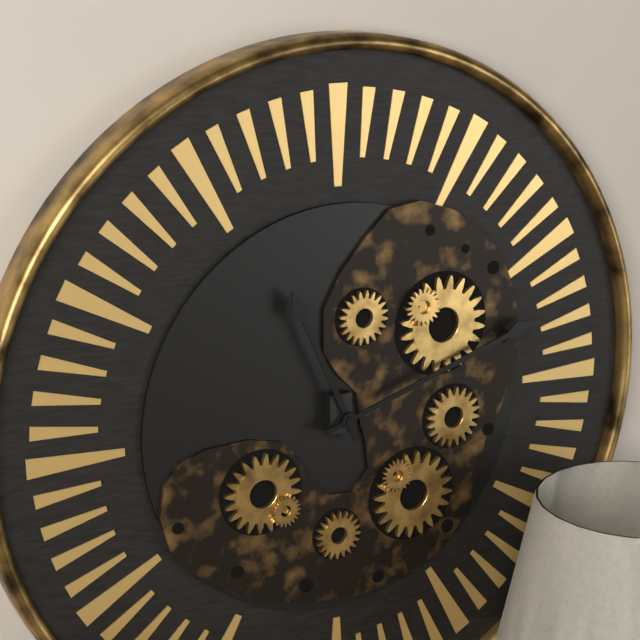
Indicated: 11,12
